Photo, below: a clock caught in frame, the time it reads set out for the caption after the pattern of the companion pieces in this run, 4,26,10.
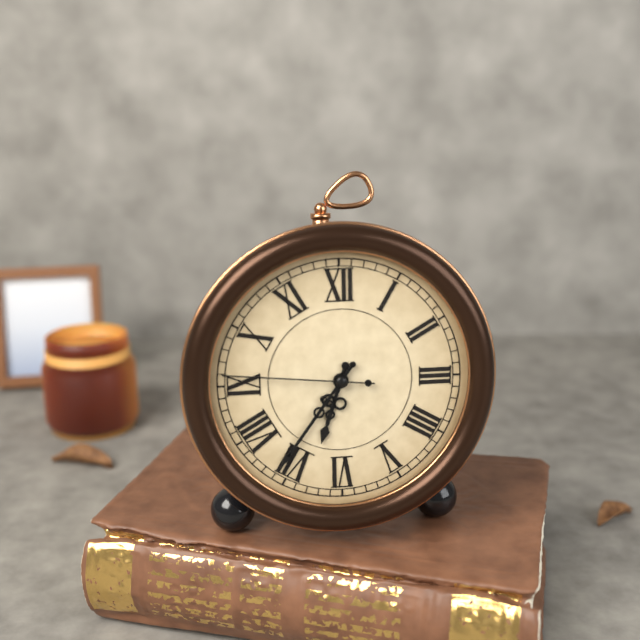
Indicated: 6,36,46
